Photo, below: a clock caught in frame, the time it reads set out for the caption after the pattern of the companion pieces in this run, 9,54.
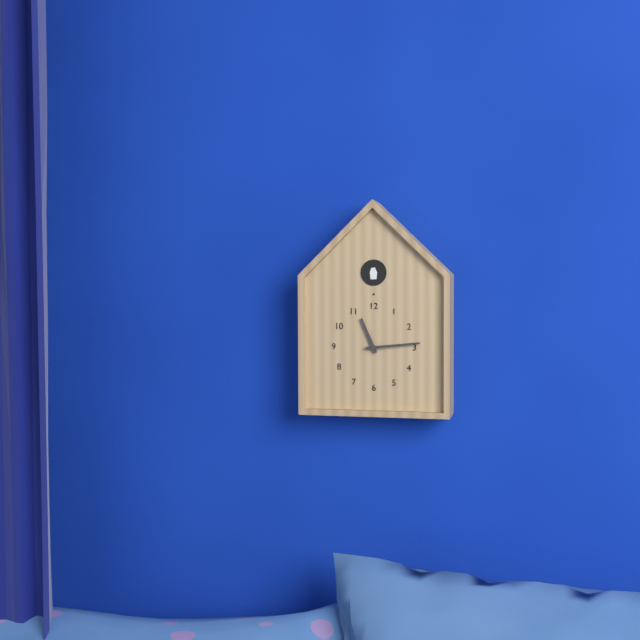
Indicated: 11,14
